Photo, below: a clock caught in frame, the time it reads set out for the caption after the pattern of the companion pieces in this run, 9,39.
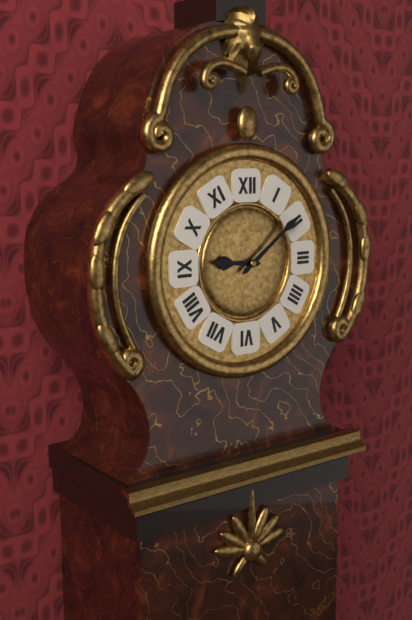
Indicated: 9,09
